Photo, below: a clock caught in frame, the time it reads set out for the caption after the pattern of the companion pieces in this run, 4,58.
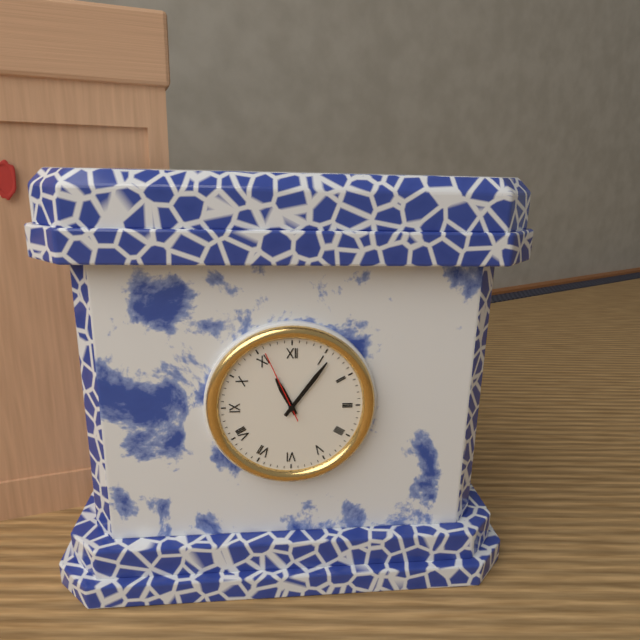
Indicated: 11,06
